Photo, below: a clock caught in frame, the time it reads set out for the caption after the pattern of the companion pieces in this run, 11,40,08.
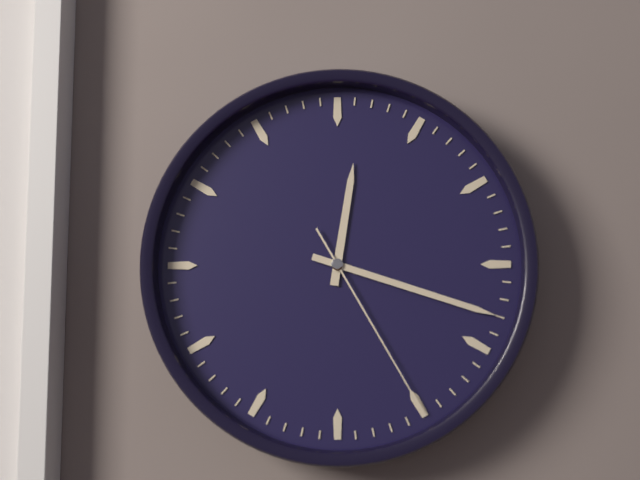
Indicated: 12,18,25
